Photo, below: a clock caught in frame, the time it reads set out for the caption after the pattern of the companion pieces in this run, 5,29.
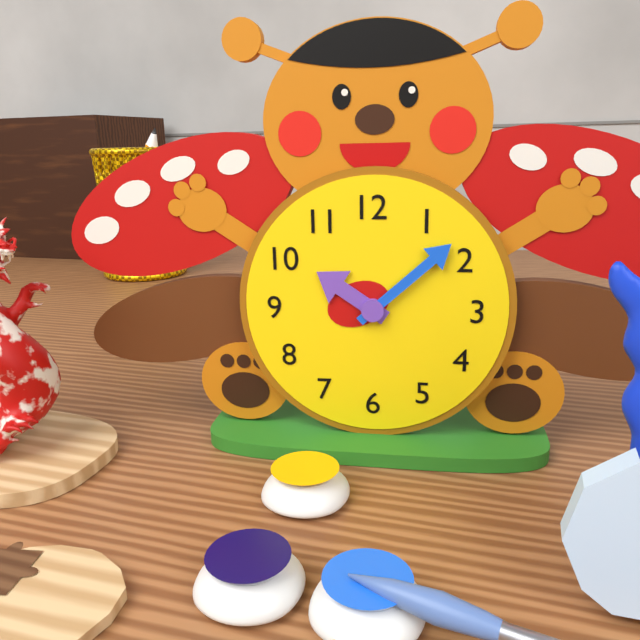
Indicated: 10,08
